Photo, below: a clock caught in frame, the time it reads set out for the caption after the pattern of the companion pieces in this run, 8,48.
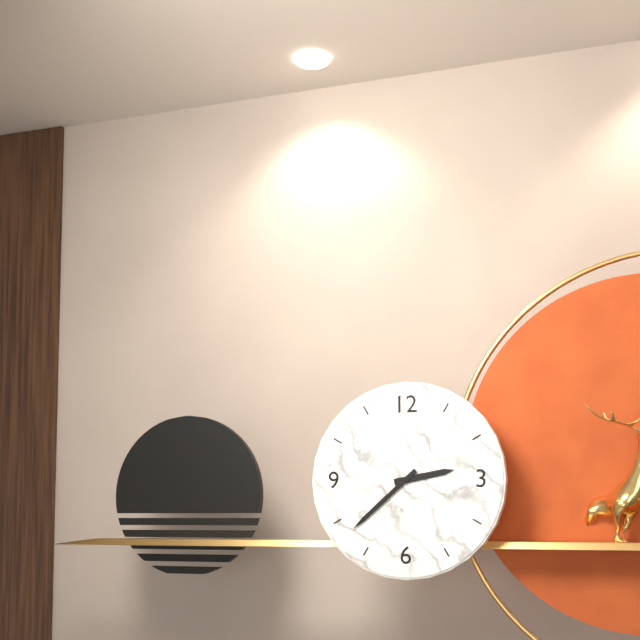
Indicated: 2,38
